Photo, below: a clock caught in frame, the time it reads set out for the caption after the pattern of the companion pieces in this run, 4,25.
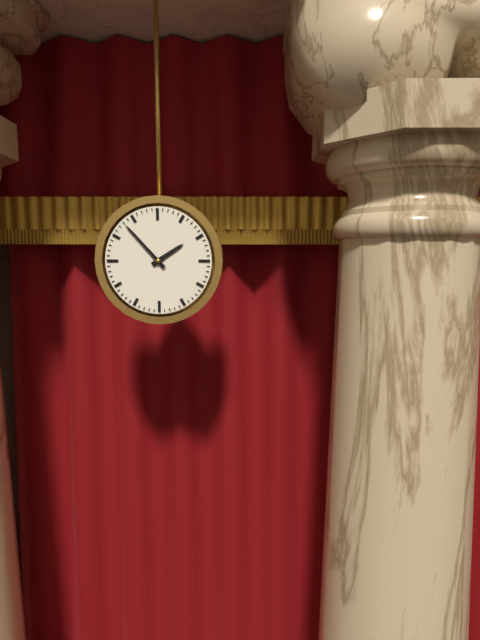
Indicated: 1,53
